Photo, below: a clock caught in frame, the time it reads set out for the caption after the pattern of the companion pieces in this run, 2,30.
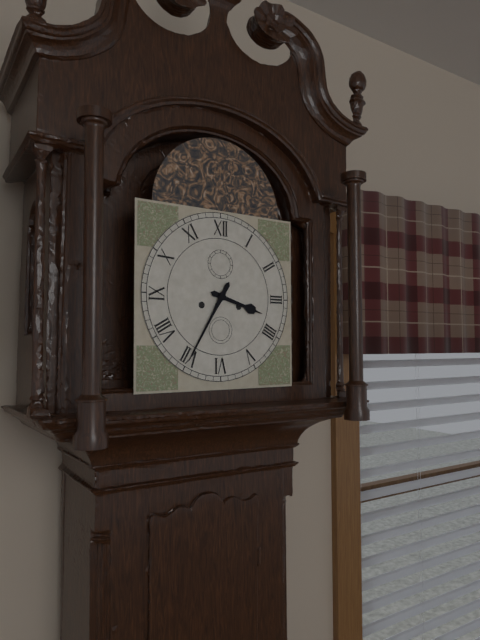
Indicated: 3,35
